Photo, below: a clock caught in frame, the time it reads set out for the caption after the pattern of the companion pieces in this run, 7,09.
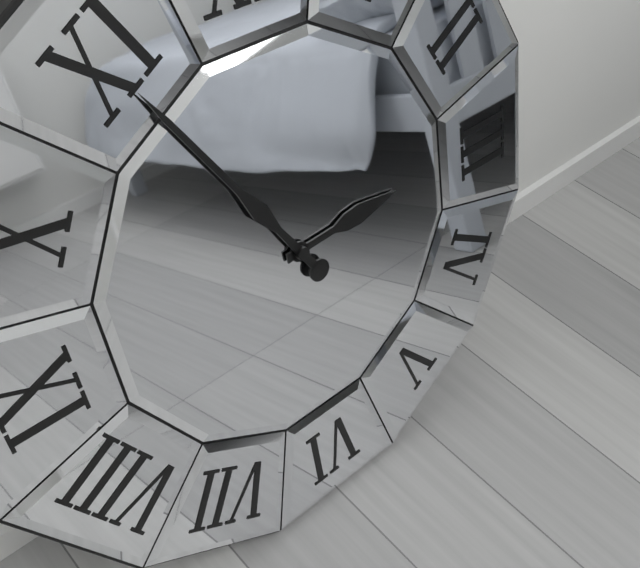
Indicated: 2,55
